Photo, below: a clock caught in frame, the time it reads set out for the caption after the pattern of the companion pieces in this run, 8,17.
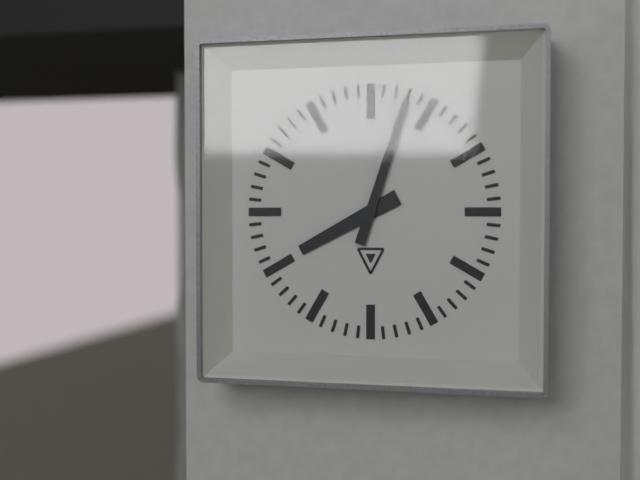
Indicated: 8,03
